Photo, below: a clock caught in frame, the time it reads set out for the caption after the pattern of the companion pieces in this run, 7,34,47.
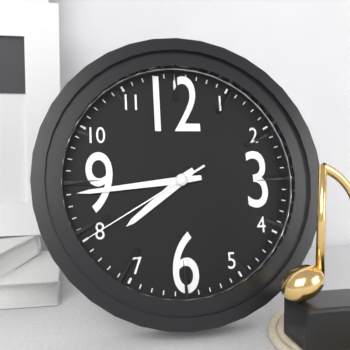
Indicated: 7,44,40
